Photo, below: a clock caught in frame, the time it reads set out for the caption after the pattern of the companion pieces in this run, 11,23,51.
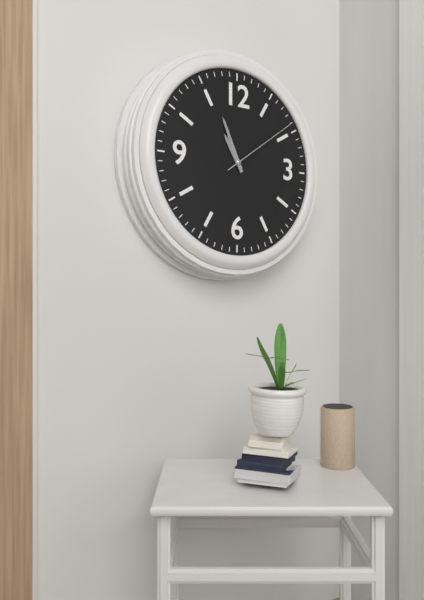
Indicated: 10,56,09
